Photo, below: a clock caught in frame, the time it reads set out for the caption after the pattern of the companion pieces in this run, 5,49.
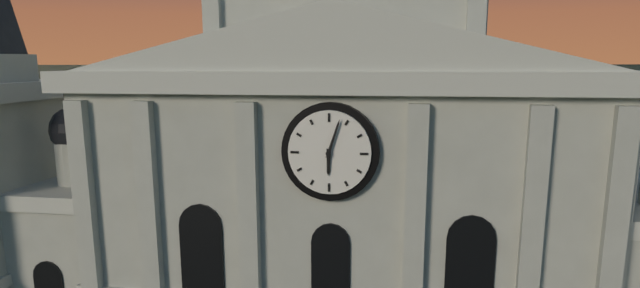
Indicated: 6,03
